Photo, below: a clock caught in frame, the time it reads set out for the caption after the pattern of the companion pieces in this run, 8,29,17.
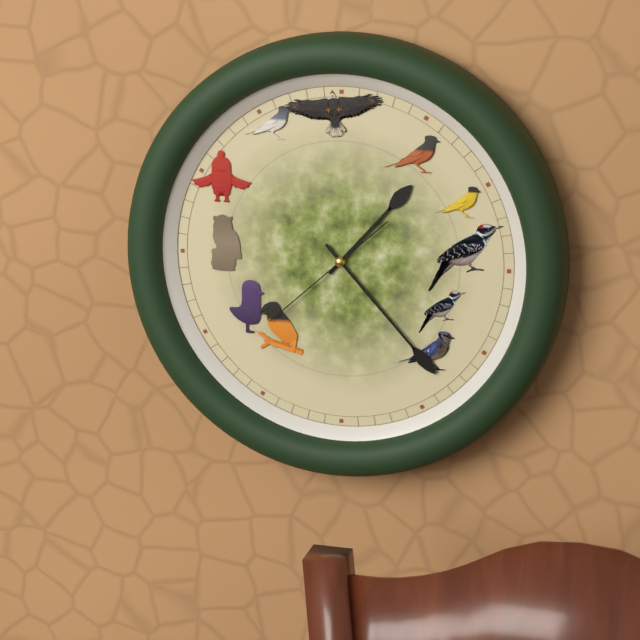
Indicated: 1,23,38
